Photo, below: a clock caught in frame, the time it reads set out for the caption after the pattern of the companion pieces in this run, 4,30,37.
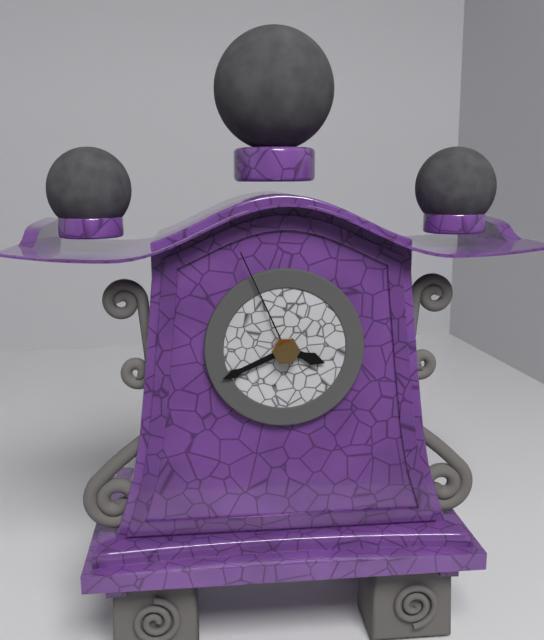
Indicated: 3,41,56
